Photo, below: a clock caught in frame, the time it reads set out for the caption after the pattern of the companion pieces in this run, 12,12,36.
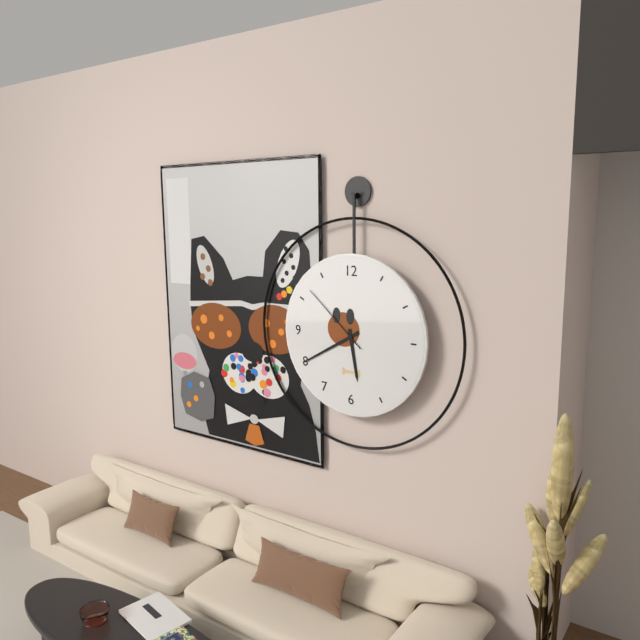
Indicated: 5,40,52
